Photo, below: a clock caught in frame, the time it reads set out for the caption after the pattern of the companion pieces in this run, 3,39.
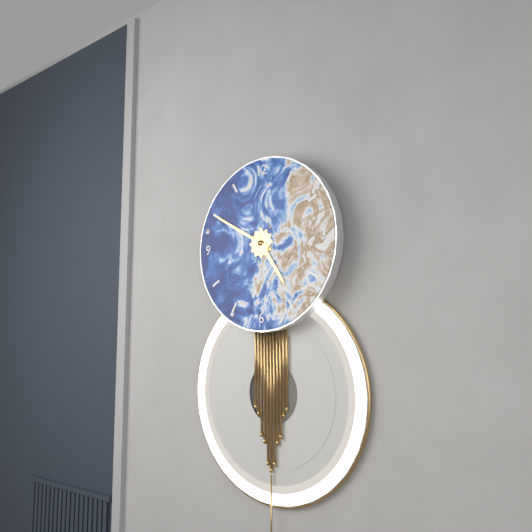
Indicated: 4,50
